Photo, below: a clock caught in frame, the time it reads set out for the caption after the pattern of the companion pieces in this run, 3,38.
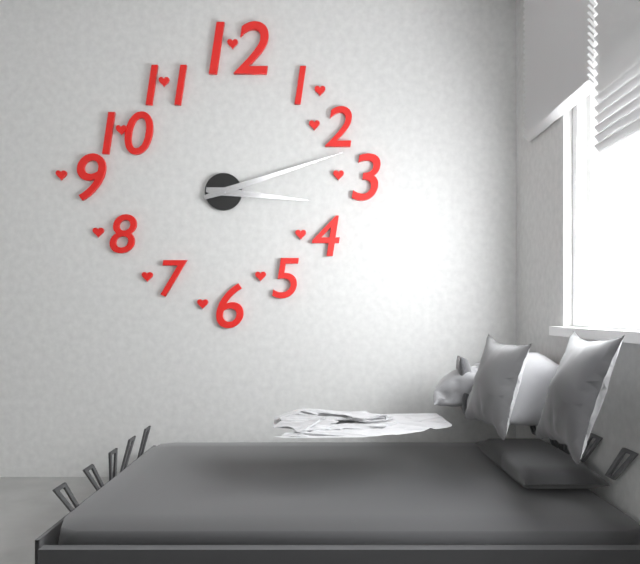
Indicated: 3,12
